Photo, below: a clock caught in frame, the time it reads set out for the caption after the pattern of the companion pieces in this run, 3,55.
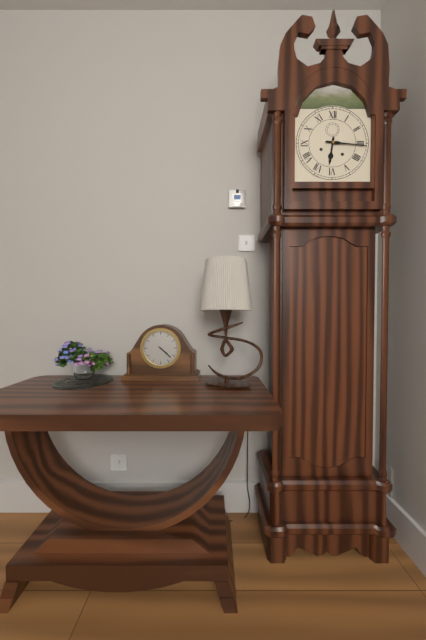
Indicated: 6,16
